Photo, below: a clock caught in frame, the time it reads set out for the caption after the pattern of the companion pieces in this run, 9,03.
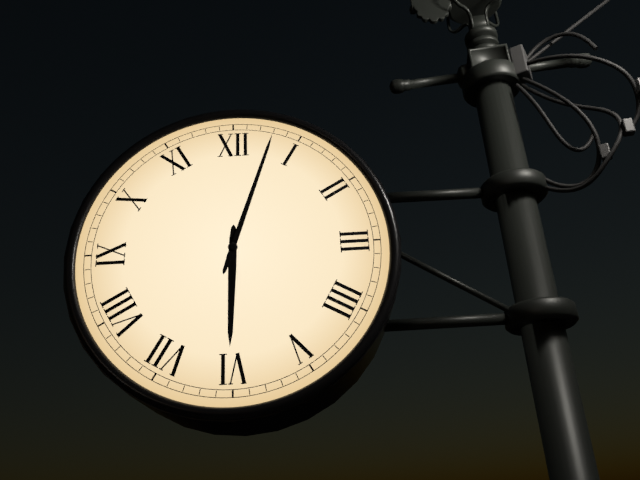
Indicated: 6,03
